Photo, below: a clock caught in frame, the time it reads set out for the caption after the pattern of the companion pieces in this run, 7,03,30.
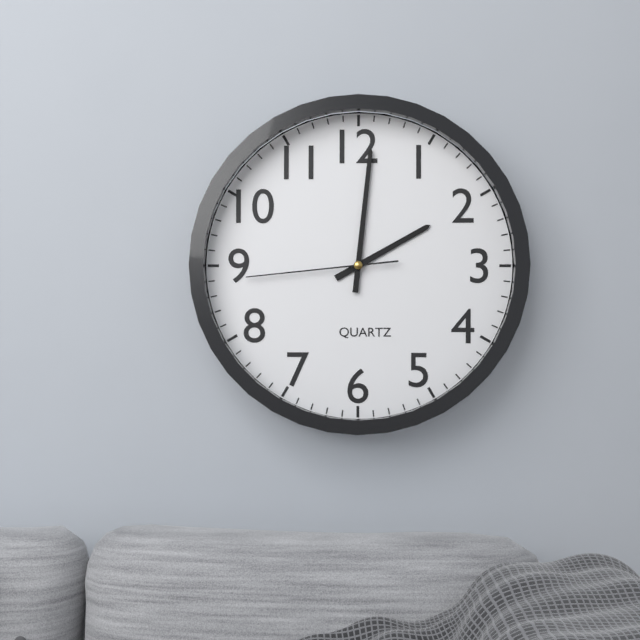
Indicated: 2,01,44
